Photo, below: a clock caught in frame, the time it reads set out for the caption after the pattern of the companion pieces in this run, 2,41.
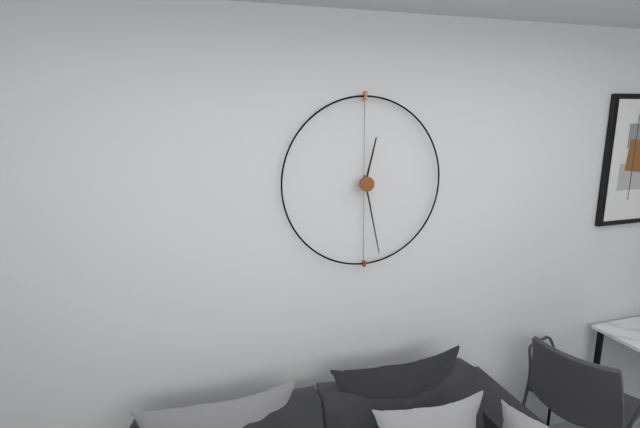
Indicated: 12,28
